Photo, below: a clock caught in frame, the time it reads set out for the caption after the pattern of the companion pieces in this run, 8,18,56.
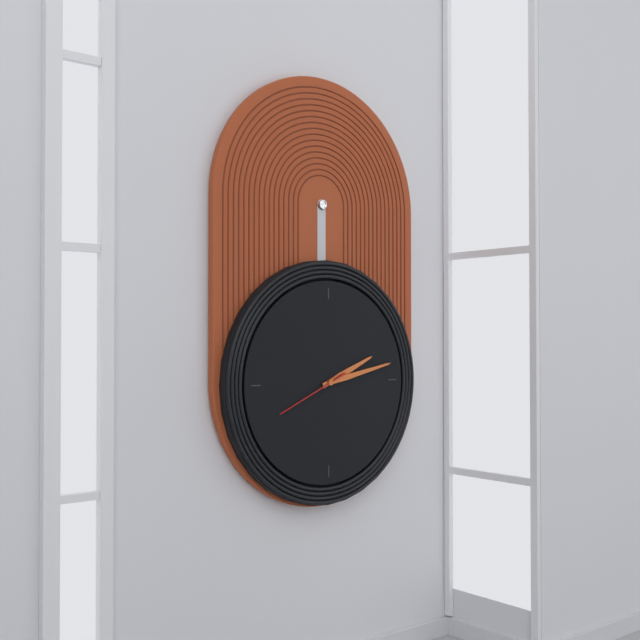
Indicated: 2,13,41
